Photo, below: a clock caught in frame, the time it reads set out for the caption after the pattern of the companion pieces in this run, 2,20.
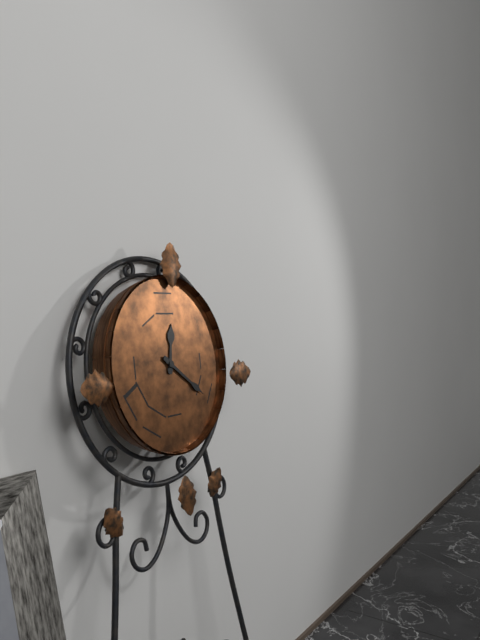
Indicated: 12,21
